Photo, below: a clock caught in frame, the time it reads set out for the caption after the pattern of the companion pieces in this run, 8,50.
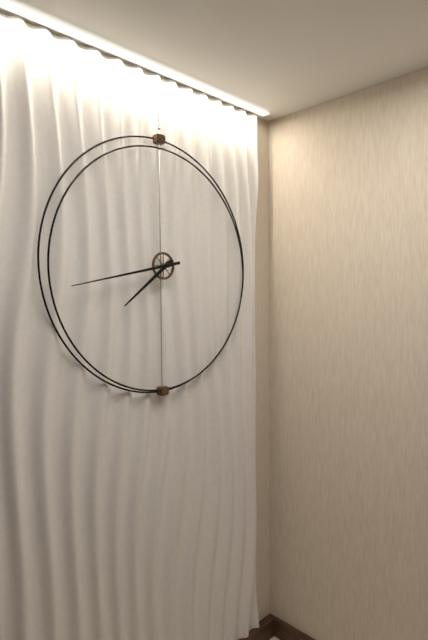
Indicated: 7,43
